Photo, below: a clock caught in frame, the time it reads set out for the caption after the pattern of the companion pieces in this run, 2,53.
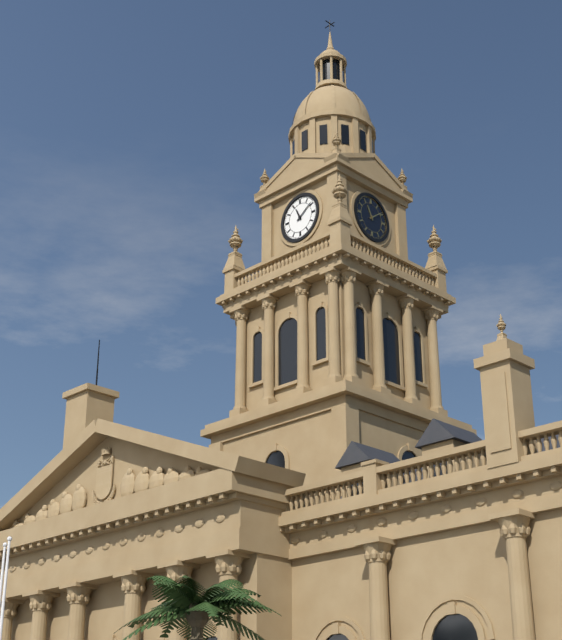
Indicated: 11,09
